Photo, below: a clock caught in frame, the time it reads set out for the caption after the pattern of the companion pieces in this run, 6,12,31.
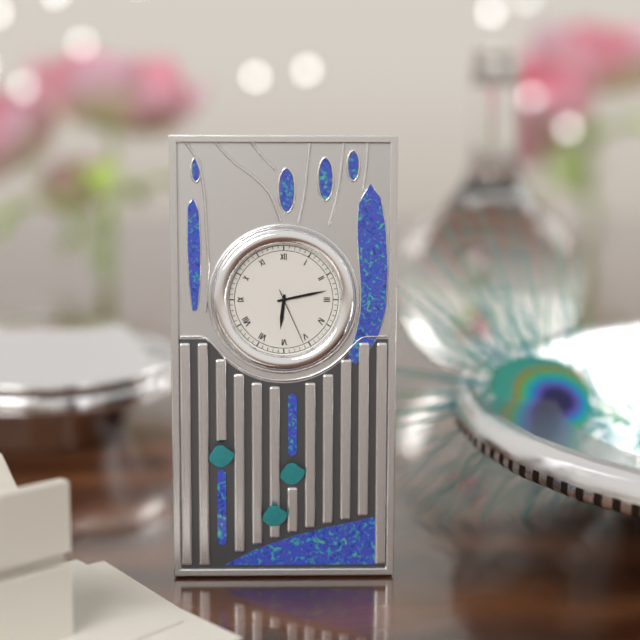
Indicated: 6,13,26
